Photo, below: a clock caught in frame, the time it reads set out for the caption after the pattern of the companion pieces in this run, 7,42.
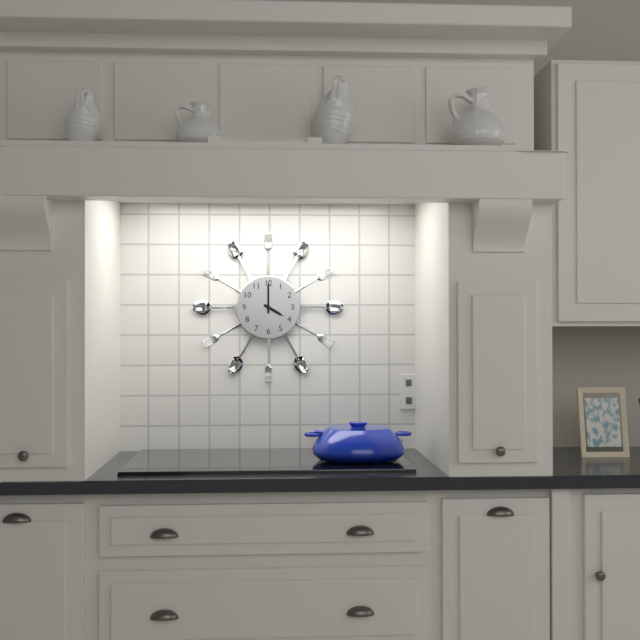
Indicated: 4,00
